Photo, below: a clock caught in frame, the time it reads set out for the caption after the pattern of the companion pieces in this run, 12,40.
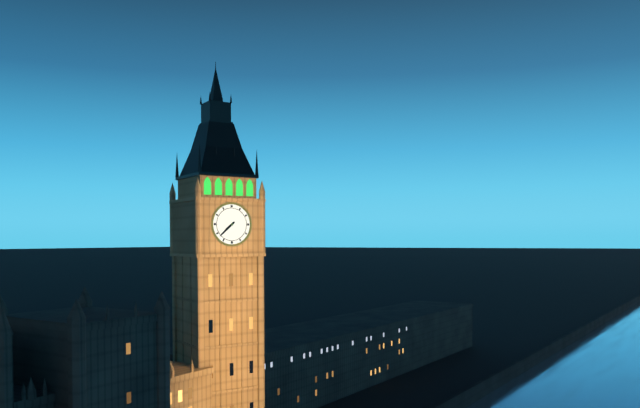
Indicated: 7,38
